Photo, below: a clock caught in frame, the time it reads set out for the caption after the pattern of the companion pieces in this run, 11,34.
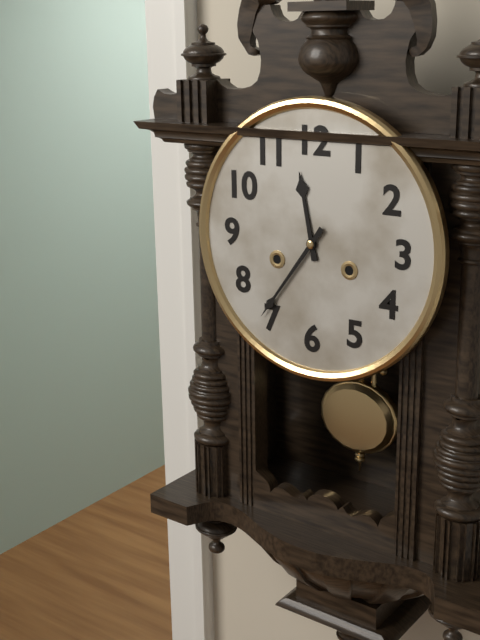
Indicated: 11,36
